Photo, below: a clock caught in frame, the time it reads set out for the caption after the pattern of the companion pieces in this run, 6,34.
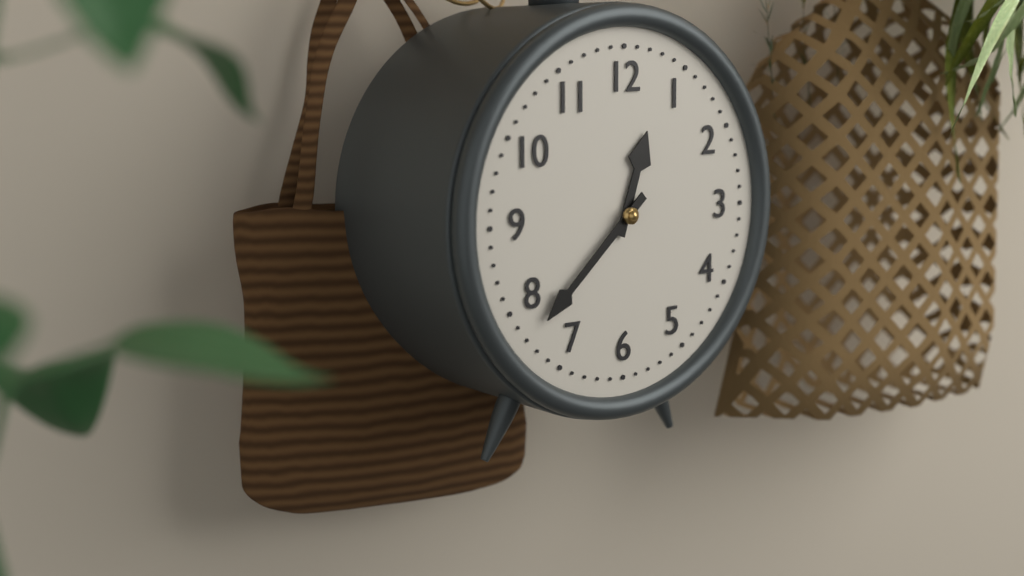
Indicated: 12,38
